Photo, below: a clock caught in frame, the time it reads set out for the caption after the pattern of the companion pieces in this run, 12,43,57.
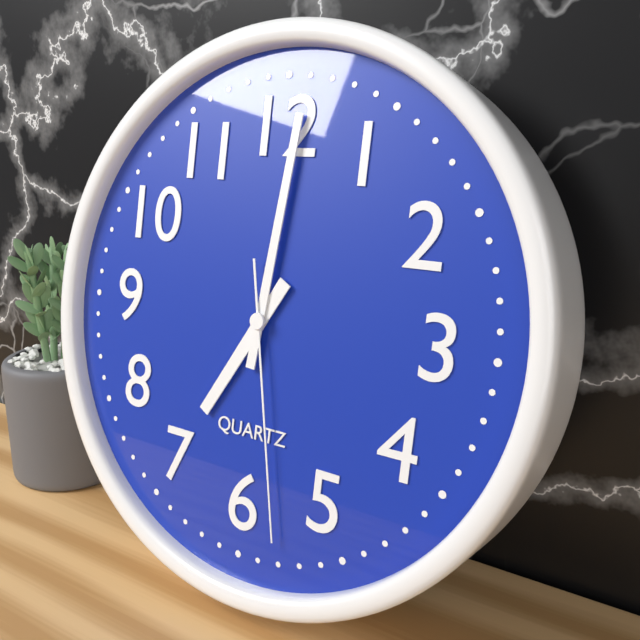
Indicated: 7,01,28
